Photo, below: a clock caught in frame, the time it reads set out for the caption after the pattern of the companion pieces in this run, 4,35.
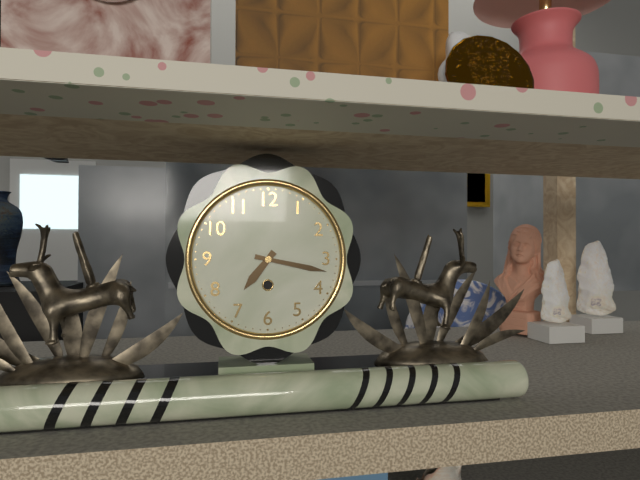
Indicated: 7,17
